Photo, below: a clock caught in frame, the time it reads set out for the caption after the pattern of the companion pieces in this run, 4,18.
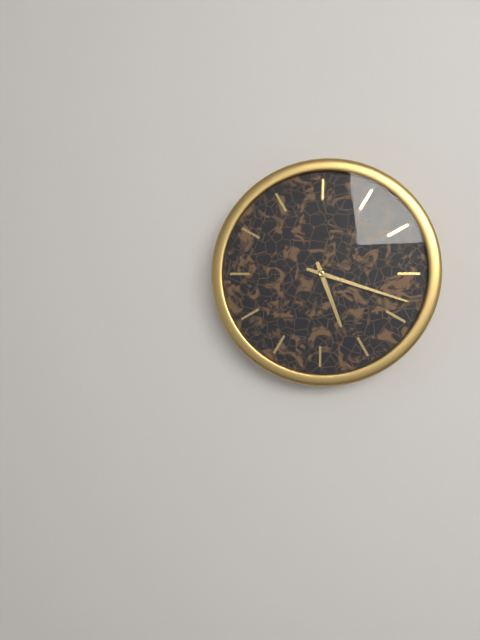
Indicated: 5,18
